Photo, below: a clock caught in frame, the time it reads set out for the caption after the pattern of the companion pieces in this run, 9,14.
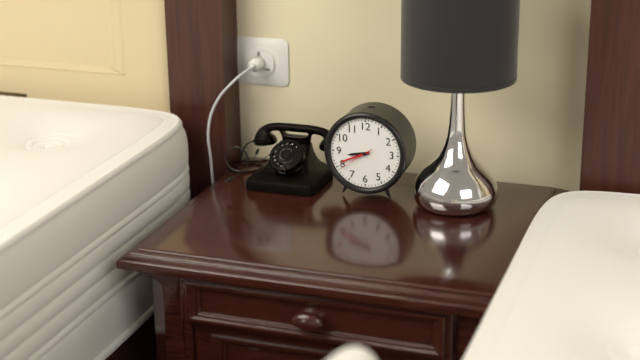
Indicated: 8,41
